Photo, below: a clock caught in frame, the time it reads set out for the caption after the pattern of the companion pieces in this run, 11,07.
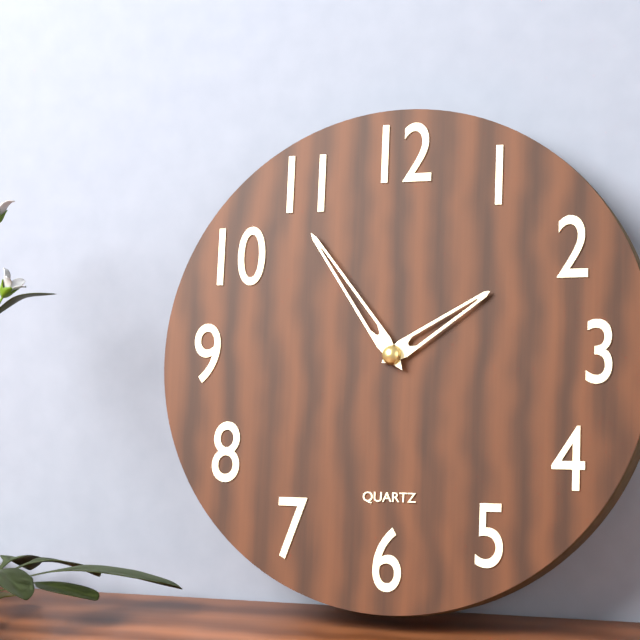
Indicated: 1,54
